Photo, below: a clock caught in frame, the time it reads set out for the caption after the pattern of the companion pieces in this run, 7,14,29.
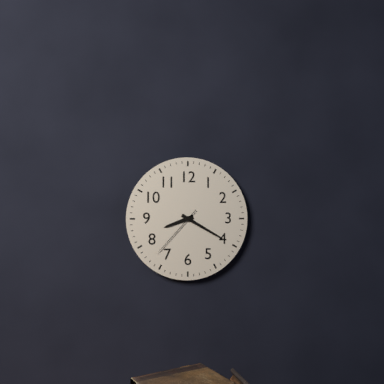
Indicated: 8,20,37
